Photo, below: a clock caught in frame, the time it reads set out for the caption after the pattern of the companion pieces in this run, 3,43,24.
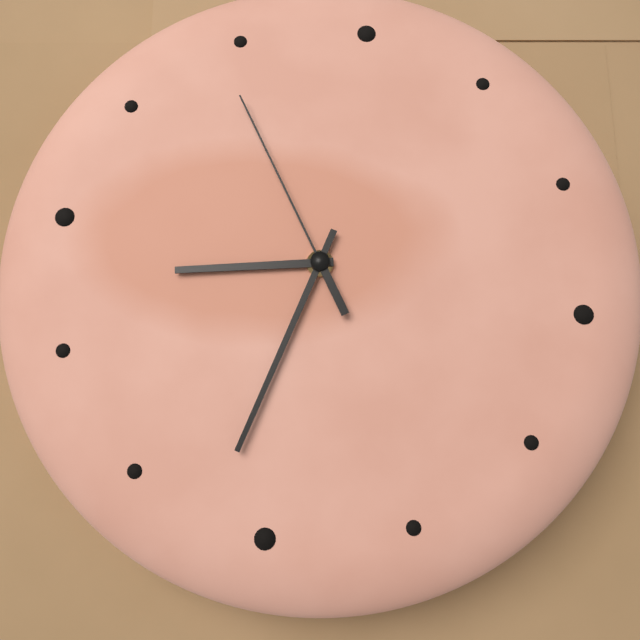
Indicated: 8,32,54
